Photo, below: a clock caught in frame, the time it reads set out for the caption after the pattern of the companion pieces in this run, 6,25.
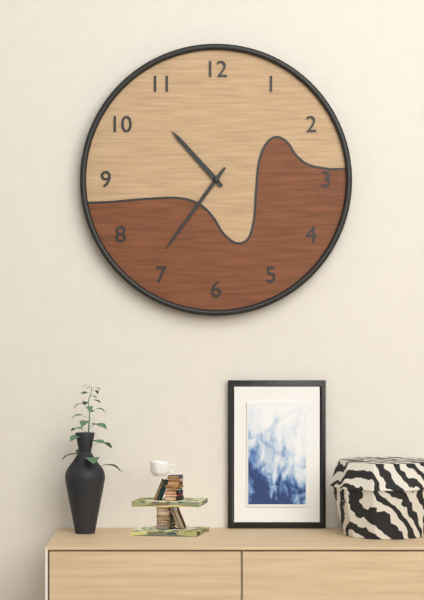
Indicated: 10,36
